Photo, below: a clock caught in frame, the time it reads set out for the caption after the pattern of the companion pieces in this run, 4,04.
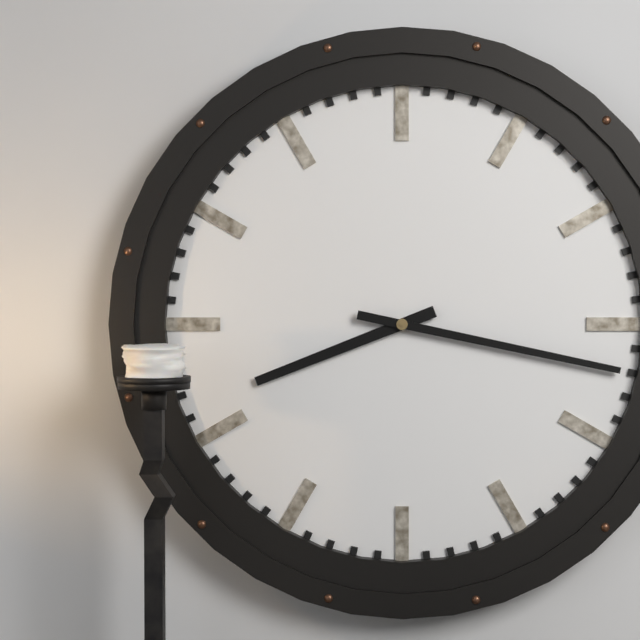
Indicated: 8,17
